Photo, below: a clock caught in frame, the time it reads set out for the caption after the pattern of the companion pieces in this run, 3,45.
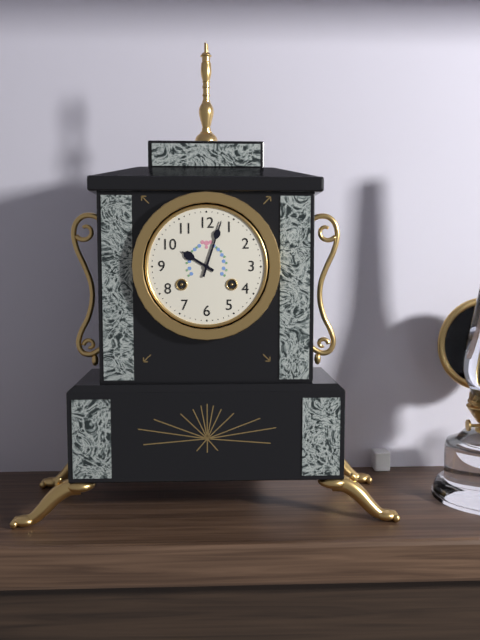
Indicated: 10,03
